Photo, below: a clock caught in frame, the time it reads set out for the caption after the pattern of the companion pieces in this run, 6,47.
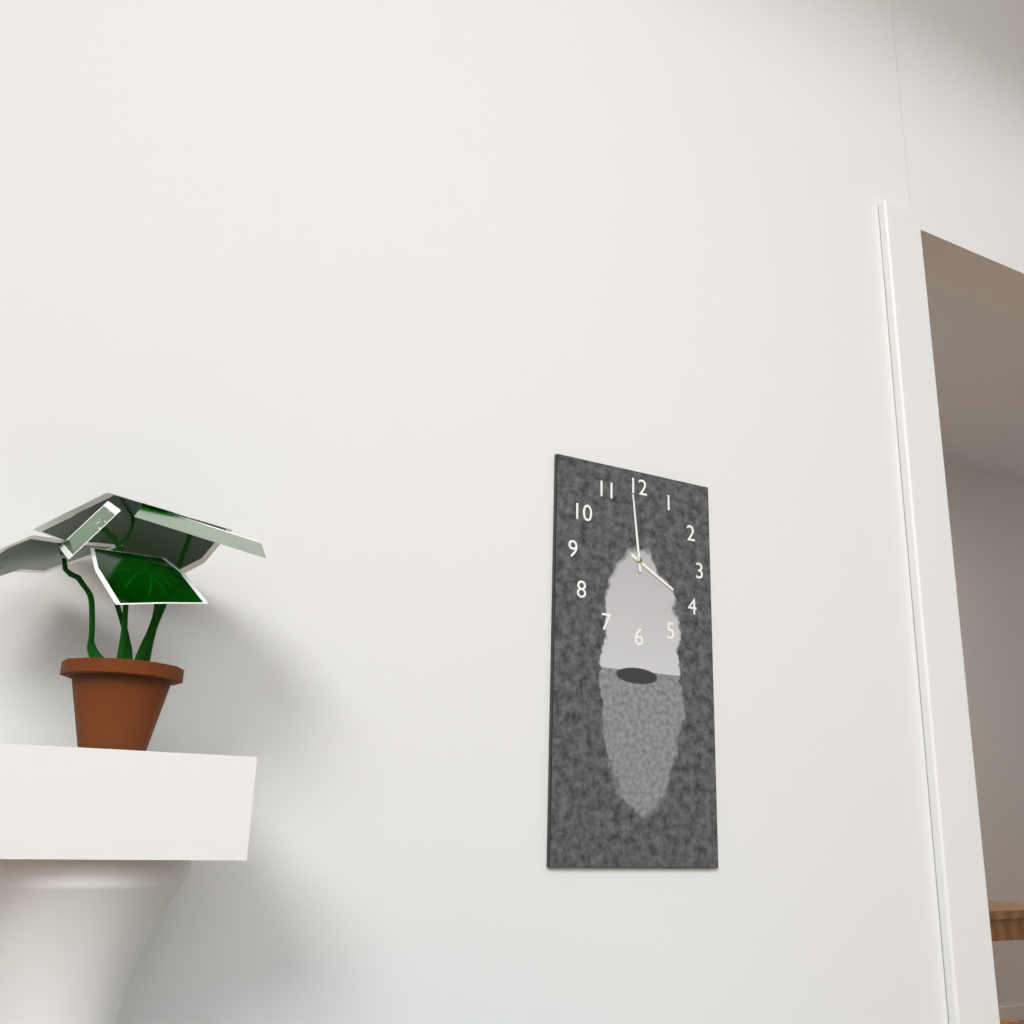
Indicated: 3,59
